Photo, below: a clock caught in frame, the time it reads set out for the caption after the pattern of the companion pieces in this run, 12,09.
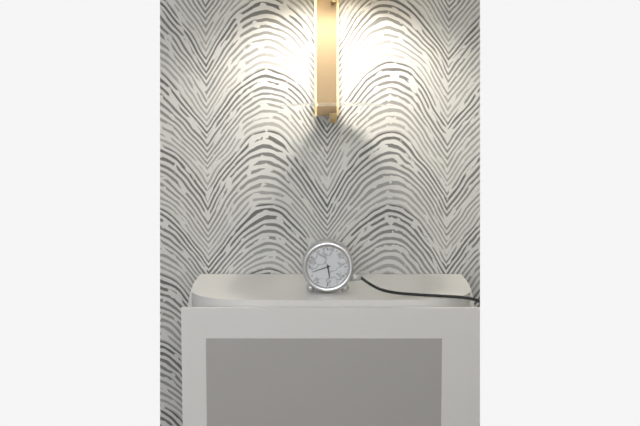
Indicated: 5,42
